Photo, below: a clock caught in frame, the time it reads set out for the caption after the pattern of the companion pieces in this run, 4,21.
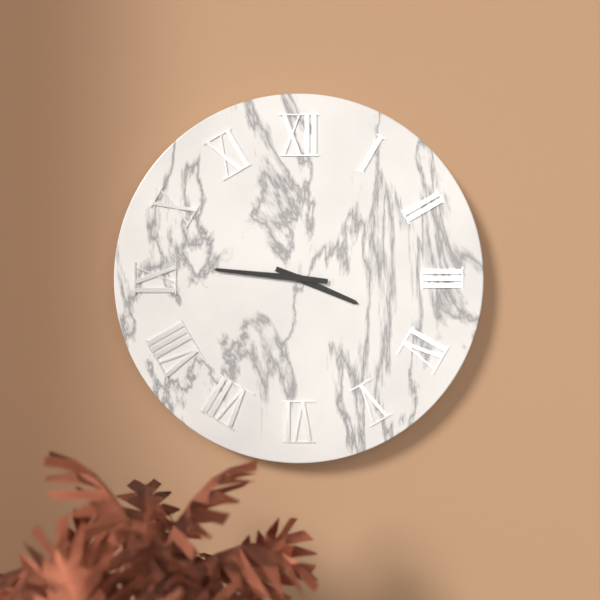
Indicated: 3,46
